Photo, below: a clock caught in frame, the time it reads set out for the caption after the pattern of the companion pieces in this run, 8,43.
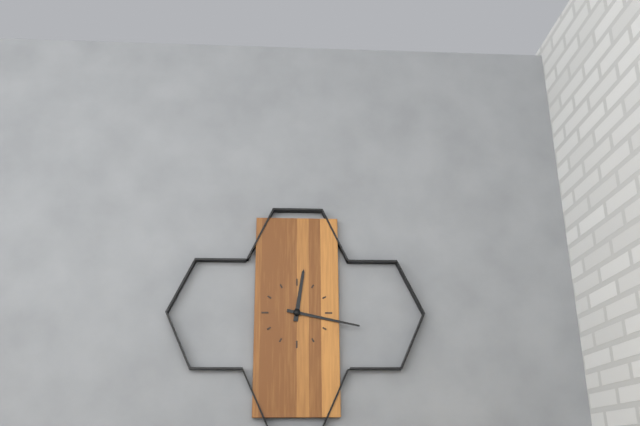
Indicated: 12,17
